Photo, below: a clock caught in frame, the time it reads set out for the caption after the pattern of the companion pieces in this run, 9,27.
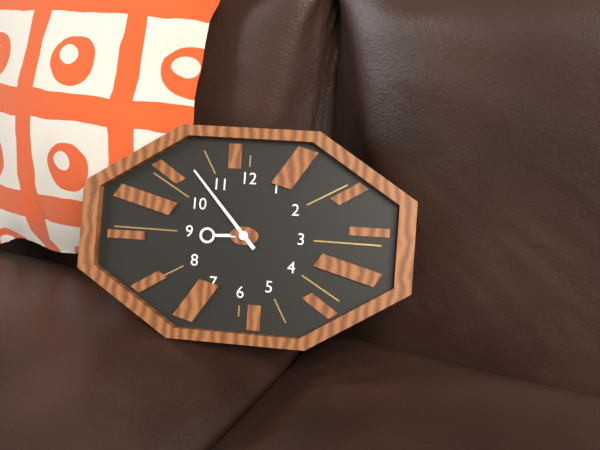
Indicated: 8,53
